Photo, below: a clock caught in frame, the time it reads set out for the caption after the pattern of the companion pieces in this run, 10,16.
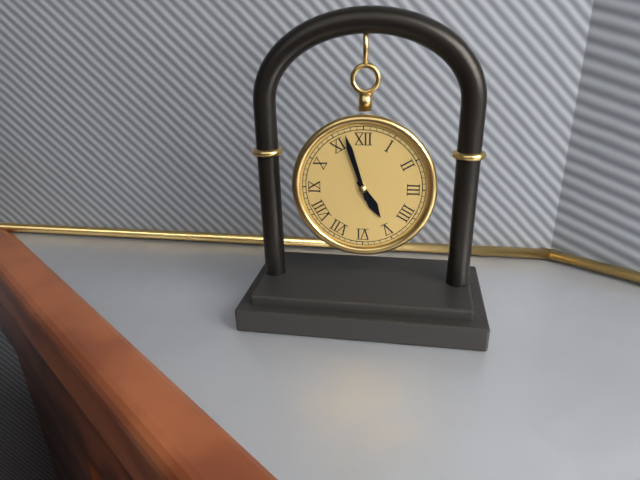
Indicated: 4,57
